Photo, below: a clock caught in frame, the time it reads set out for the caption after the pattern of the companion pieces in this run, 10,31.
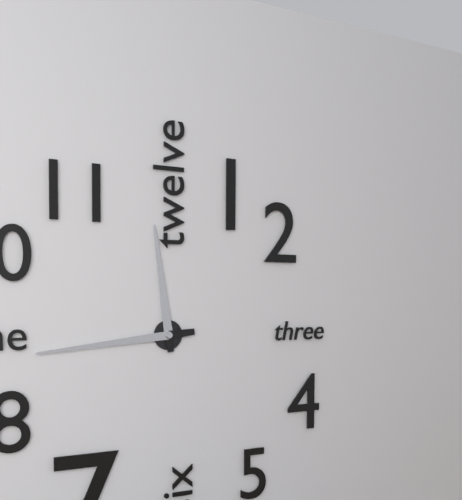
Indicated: 11,44
